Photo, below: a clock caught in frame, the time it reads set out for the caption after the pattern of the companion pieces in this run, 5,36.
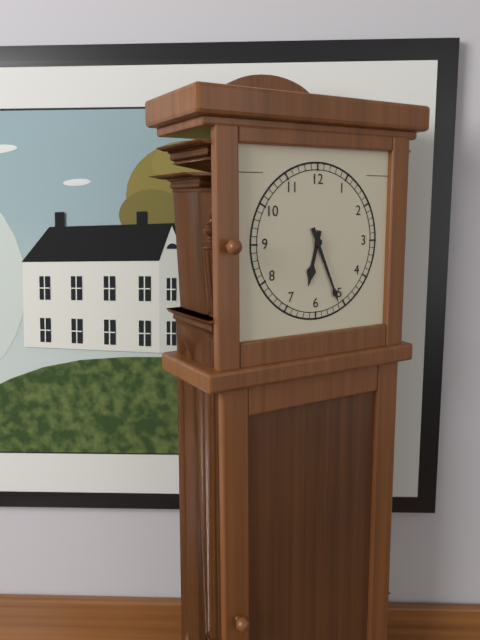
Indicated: 6,26
